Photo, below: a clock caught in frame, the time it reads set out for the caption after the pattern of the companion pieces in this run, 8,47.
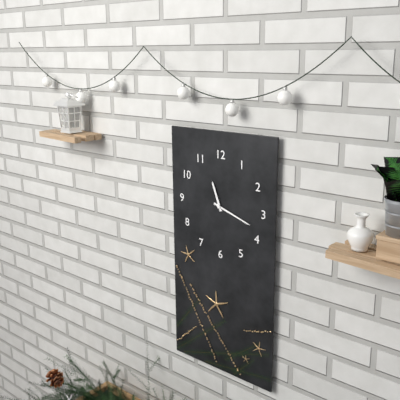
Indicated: 11,18
